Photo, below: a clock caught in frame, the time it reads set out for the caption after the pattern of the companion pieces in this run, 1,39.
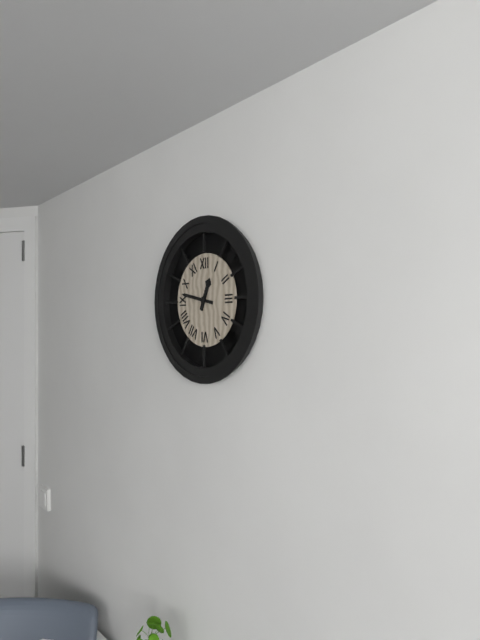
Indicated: 12,47
